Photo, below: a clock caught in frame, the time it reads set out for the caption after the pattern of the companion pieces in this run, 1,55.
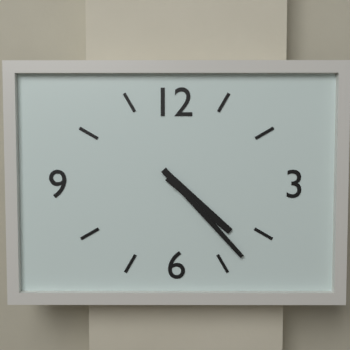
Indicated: 4,23
